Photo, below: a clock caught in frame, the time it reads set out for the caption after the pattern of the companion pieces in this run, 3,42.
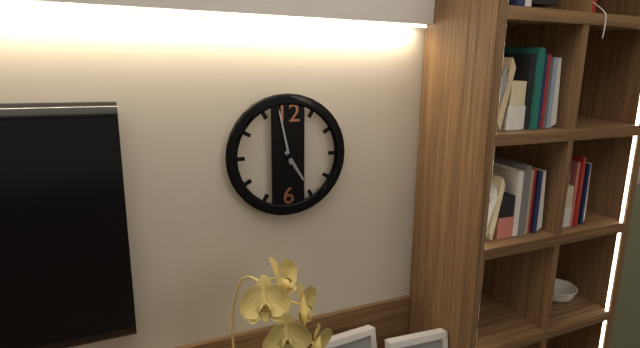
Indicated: 4,58
